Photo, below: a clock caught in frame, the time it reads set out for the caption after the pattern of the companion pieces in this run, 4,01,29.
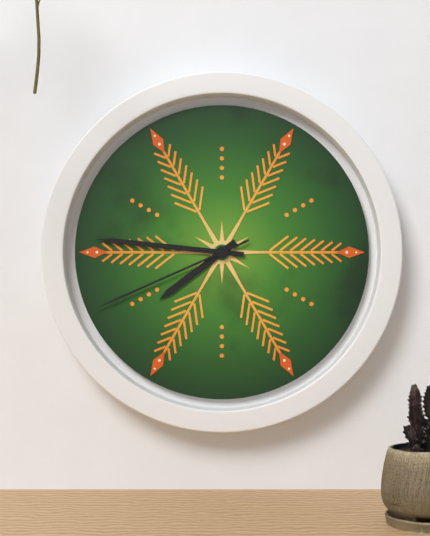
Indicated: 7,46,41
